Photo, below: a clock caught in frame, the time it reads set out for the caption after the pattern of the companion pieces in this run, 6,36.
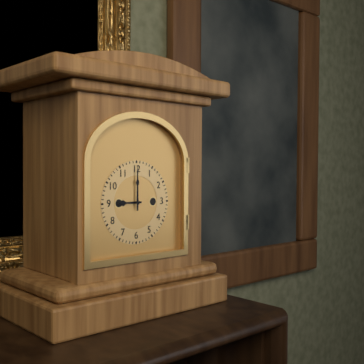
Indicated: 9,00
